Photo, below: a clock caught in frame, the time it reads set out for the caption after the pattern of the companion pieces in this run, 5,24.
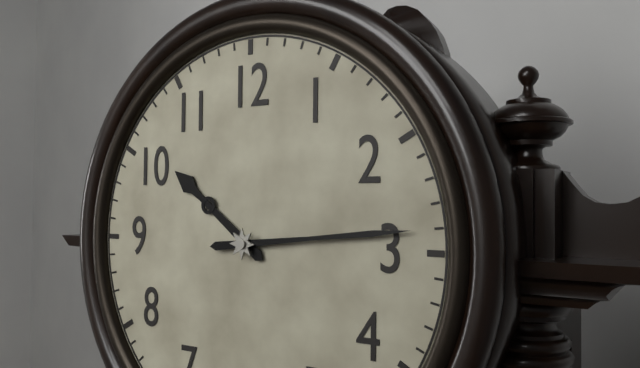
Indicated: 10,14
